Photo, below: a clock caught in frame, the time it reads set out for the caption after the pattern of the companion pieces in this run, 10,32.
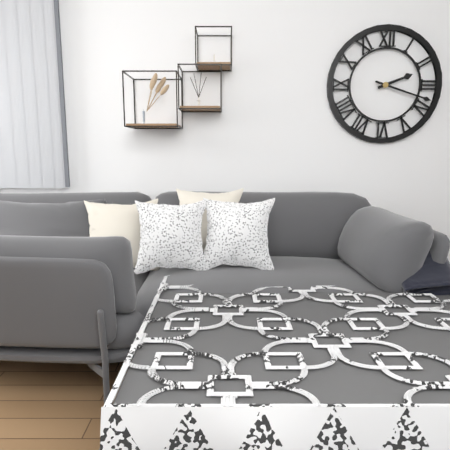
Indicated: 2,18
